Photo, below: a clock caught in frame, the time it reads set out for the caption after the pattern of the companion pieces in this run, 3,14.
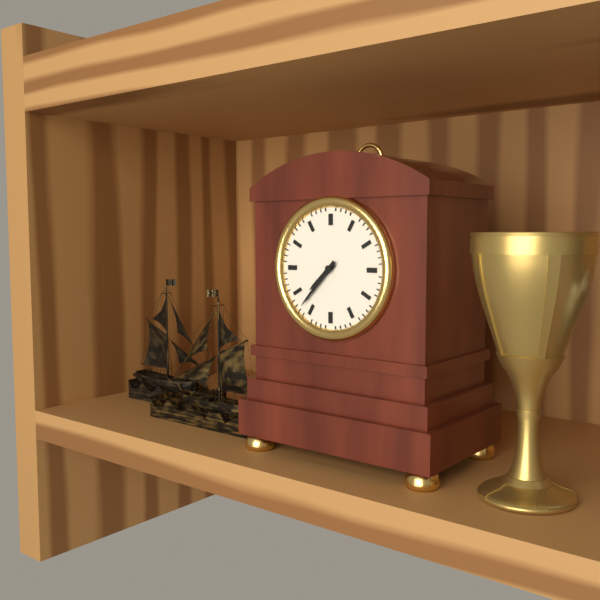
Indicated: 7,37
